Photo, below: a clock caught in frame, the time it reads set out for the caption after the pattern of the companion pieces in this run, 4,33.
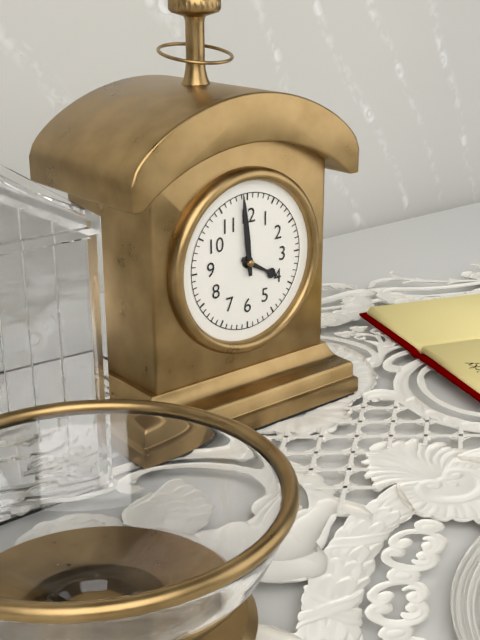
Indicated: 3,59
